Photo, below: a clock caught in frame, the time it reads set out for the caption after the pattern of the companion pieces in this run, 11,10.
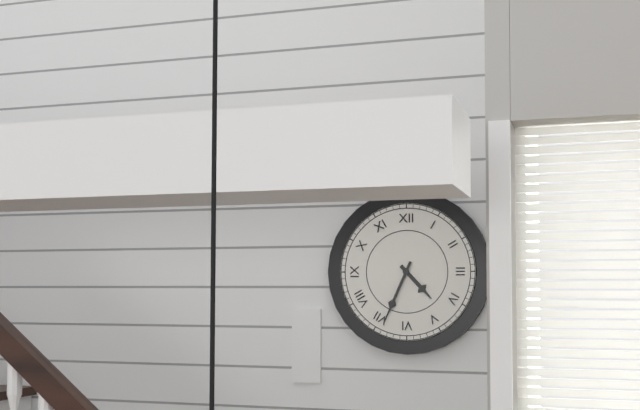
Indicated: 4,34
